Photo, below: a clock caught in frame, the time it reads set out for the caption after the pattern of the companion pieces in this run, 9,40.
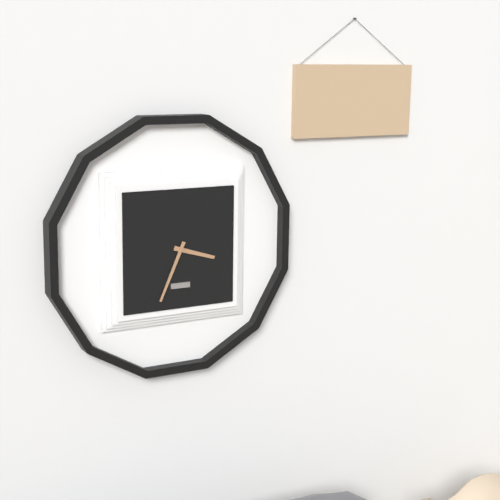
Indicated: 3,34
